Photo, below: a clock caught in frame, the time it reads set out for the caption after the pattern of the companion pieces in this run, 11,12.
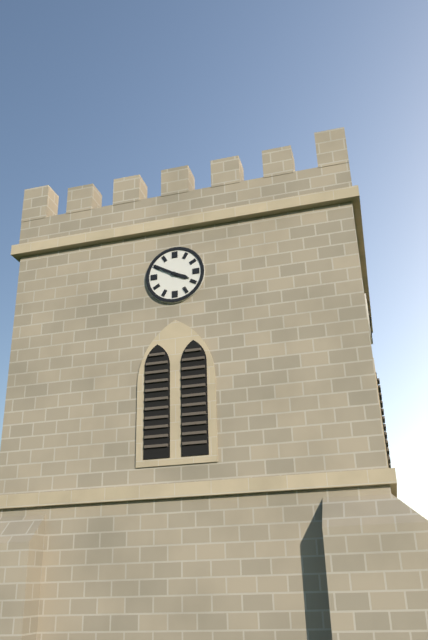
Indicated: 3,50
